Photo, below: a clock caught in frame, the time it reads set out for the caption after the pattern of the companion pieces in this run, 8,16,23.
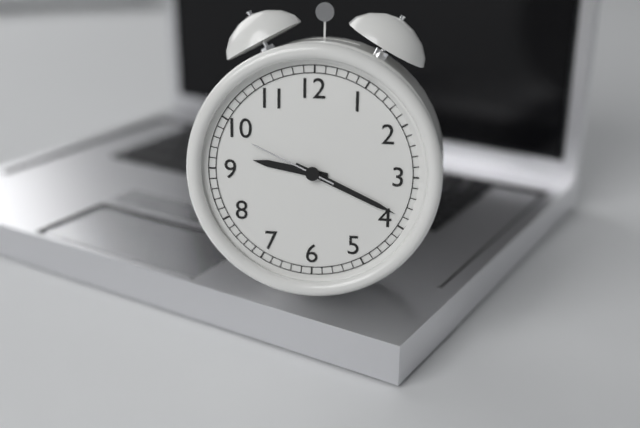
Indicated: 9,19,49
